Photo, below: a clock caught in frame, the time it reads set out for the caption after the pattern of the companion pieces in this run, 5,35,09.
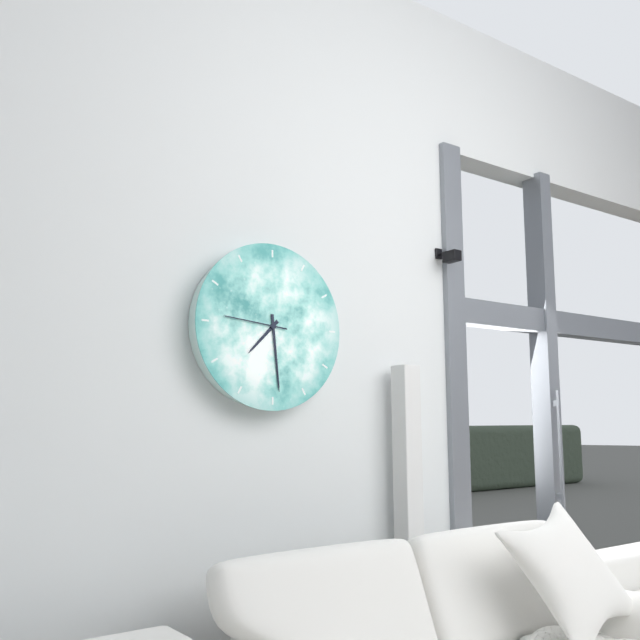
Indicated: 7,29,46
